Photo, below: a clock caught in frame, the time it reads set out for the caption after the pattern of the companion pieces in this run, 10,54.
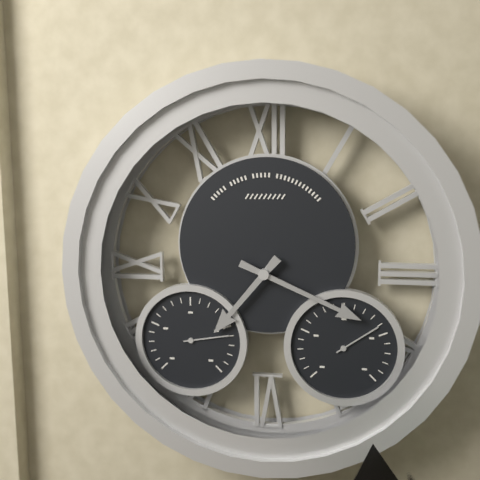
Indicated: 7,19
